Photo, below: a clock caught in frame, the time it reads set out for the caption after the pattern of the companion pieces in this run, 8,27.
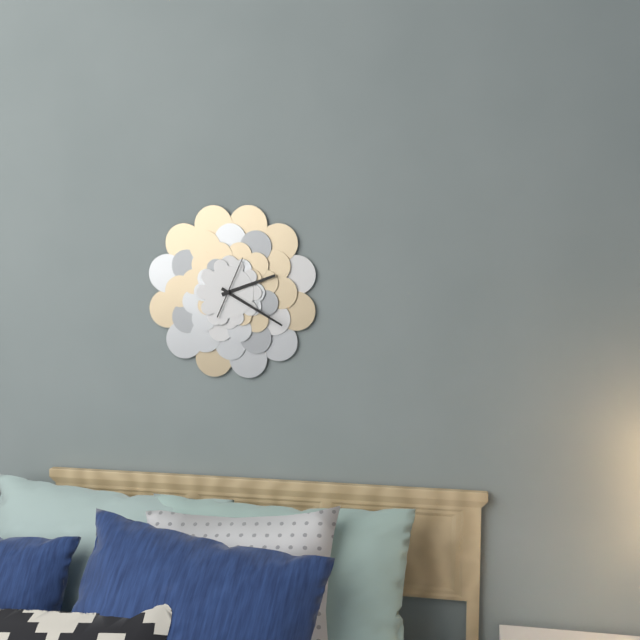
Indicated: 2,20
